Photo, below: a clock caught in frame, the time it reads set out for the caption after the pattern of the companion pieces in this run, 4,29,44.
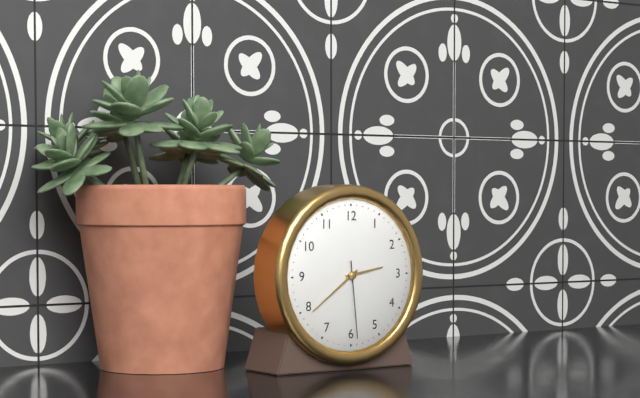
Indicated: 2,39,29
